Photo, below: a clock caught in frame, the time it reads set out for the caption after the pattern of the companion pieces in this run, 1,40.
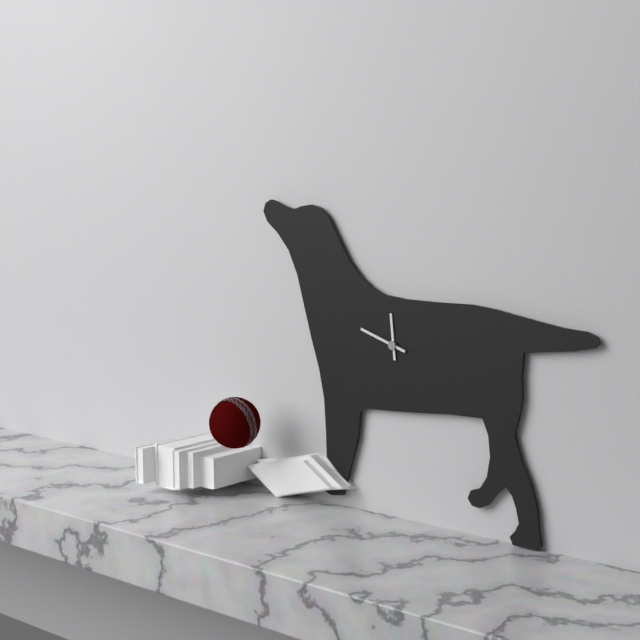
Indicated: 11,48
